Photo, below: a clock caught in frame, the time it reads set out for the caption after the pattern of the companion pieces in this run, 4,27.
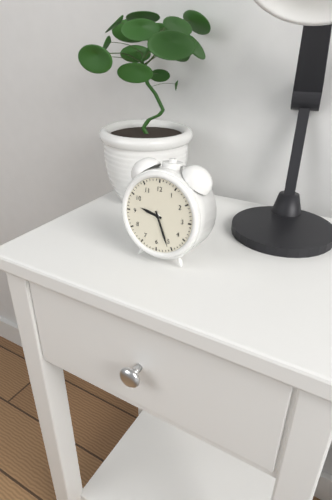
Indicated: 9,26
